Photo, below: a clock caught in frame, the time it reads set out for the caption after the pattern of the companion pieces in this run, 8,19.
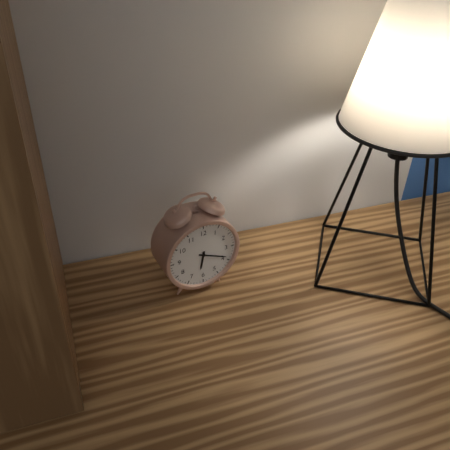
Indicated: 6,19
